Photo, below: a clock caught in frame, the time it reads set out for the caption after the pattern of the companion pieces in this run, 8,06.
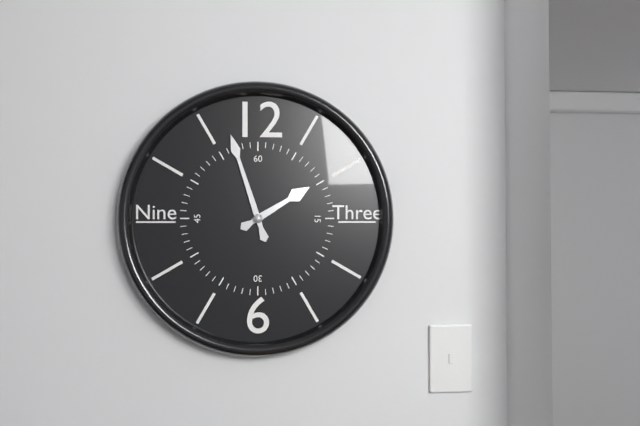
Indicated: 1,57
